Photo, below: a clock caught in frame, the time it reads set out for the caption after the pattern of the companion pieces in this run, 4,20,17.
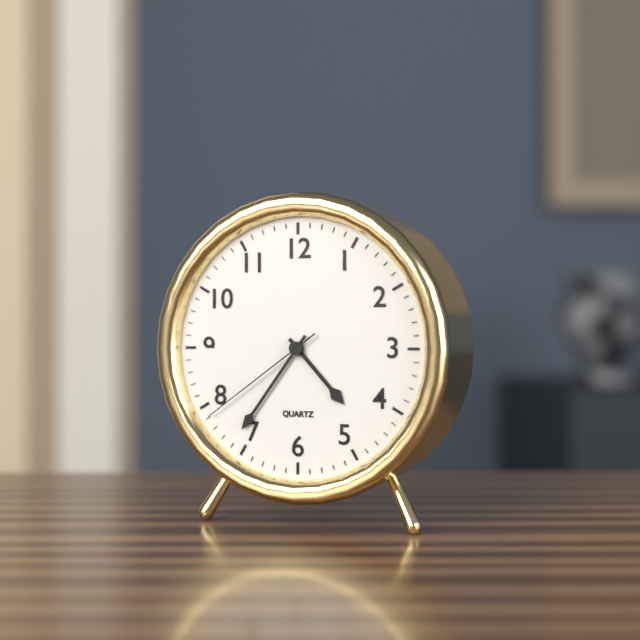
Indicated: 4,36,39
